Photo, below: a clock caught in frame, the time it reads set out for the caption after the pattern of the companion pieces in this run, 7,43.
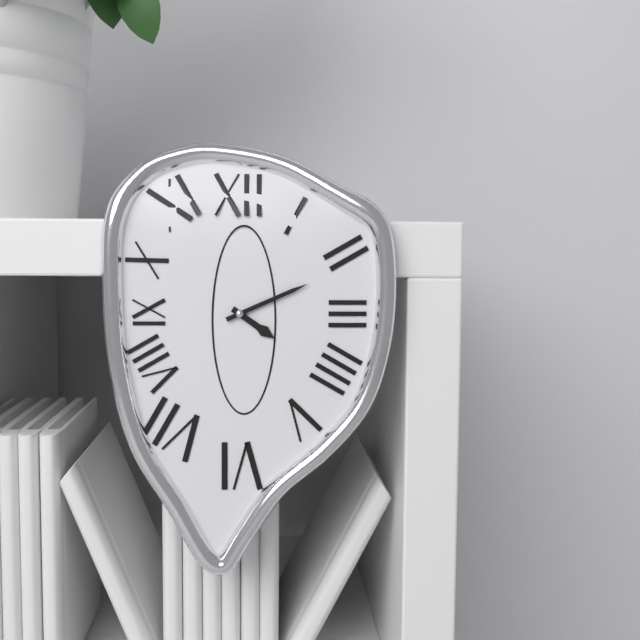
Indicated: 4,11
